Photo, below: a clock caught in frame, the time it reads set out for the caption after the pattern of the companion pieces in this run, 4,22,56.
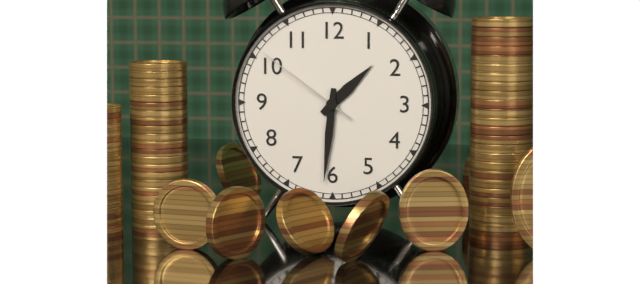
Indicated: 1,31,51
